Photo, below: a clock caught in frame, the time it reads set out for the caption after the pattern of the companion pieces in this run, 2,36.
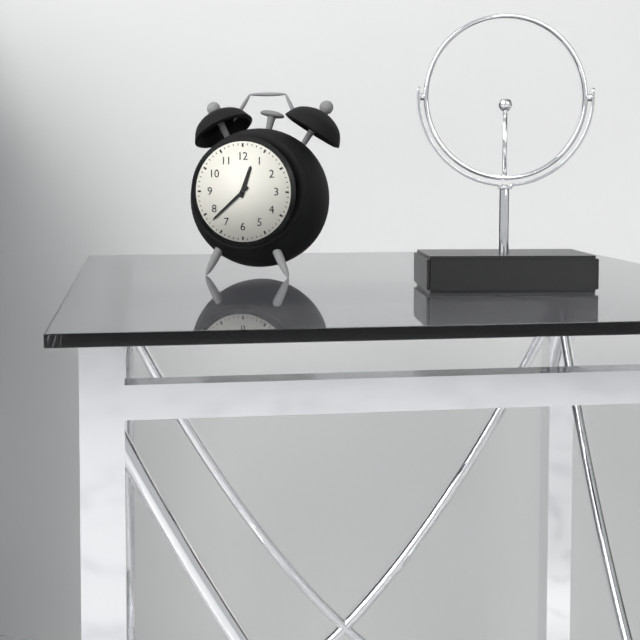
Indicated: 12,38
